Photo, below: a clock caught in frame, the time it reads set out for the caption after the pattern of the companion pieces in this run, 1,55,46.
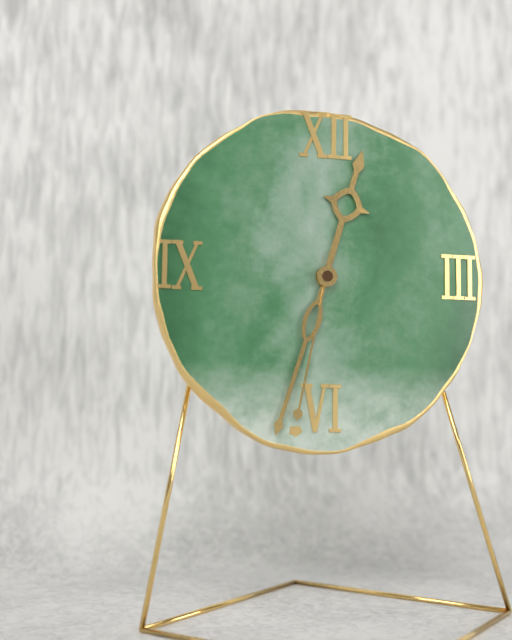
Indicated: 12,33,32
